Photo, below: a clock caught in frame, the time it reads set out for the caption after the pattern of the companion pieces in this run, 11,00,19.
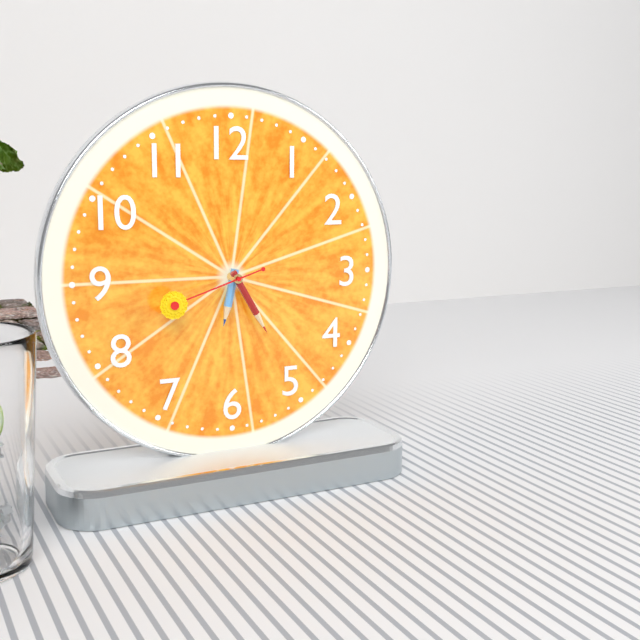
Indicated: 6,25,42
